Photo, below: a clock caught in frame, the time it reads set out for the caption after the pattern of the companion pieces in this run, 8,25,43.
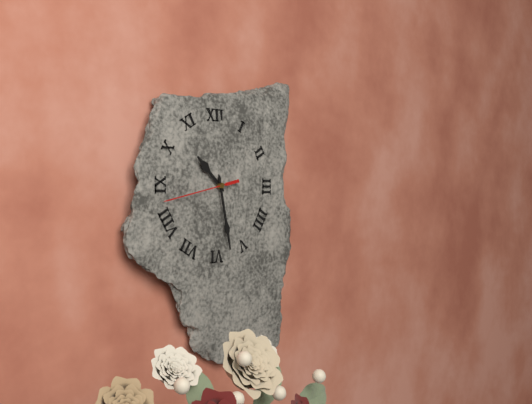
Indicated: 10,28,43
